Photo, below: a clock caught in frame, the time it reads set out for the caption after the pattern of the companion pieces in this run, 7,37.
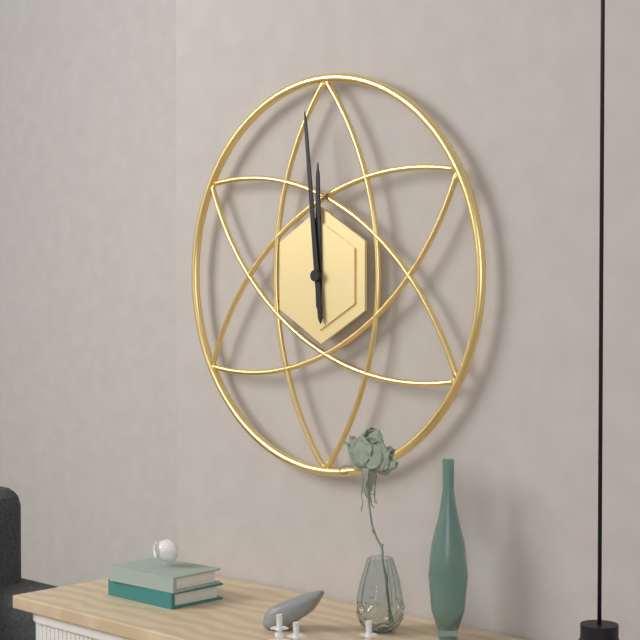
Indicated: 11,59
